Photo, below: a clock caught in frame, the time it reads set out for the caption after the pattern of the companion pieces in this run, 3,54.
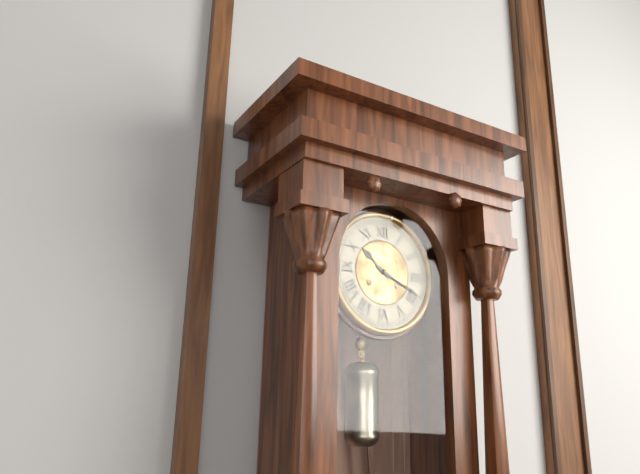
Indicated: 10,19
